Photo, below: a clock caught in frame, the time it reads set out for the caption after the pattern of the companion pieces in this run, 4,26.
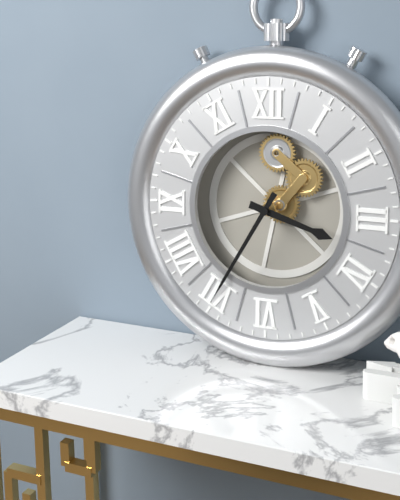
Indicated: 3,35
